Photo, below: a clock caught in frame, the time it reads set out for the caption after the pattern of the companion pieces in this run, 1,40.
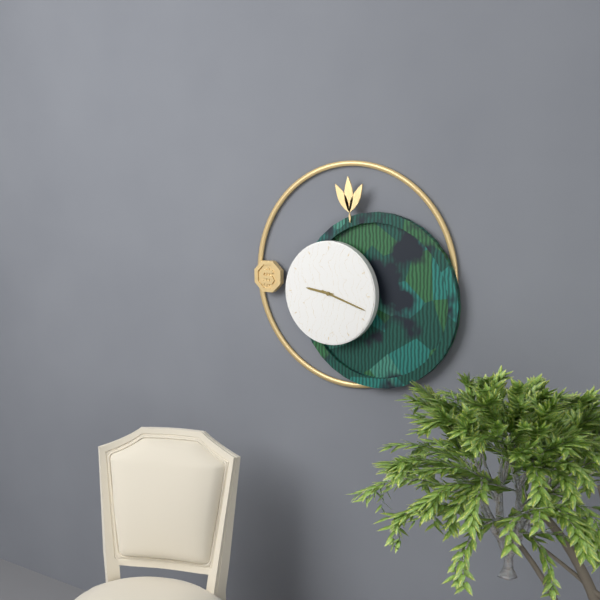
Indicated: 9,18
